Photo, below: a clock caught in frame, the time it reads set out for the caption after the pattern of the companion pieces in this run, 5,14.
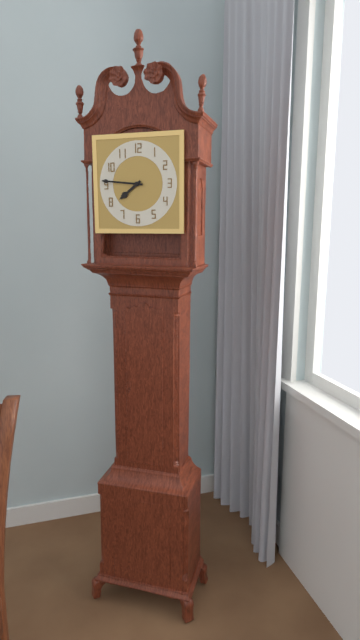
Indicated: 7,46
